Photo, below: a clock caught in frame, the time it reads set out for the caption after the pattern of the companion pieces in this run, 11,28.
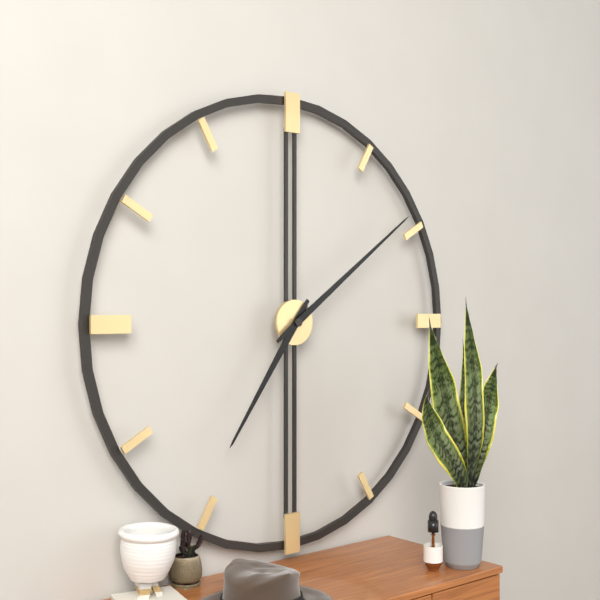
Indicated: 7,09
